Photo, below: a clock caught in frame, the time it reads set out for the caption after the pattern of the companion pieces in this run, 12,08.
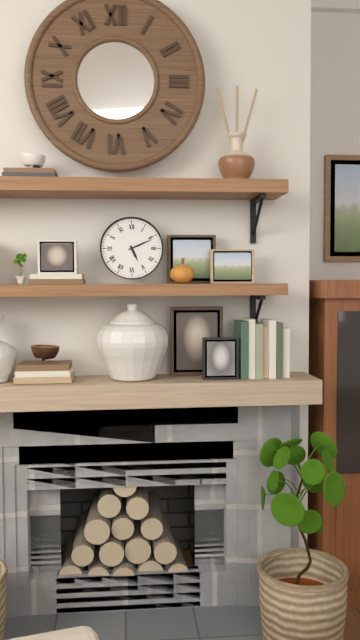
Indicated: 5,11
